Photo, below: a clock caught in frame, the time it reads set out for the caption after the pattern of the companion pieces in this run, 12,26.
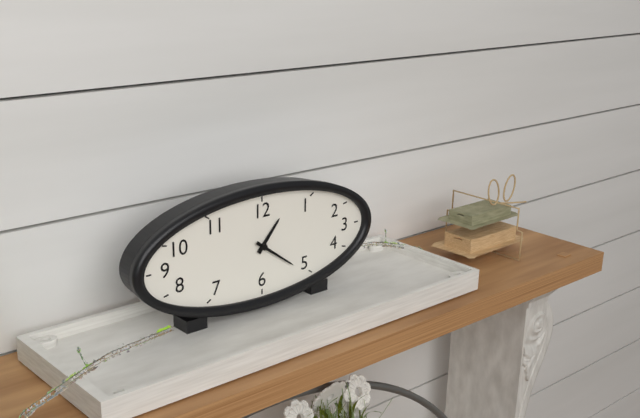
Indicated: 1,21
